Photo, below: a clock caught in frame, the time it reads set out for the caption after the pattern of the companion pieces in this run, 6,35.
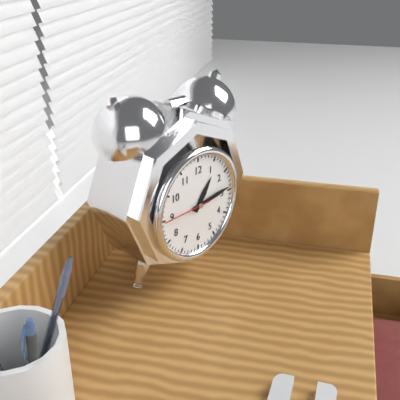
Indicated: 1,14
